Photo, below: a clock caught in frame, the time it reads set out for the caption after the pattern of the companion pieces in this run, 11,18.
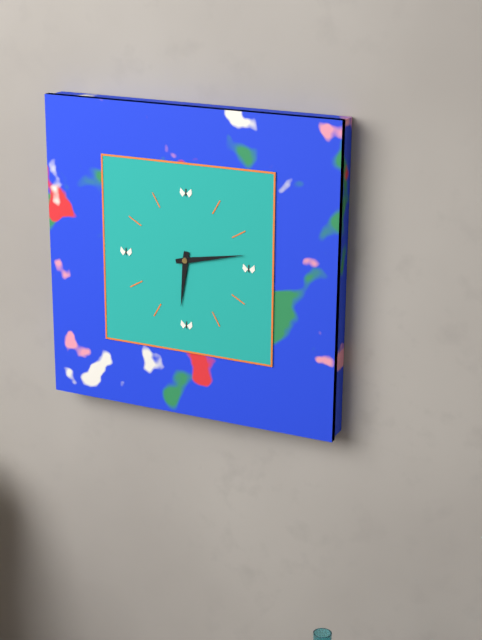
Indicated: 6,13
